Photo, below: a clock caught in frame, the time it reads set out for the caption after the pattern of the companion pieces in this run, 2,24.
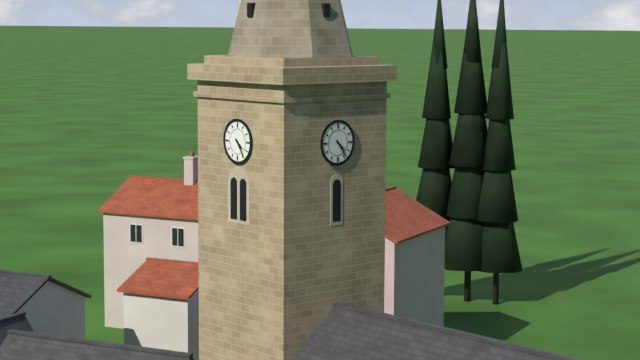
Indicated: 4,24
